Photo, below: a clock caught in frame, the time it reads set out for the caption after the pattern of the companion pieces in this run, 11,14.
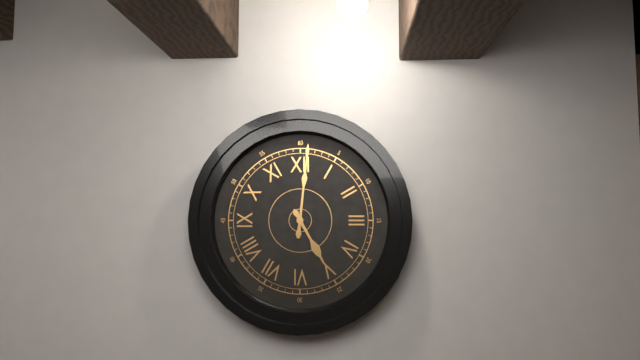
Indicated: 5,01
